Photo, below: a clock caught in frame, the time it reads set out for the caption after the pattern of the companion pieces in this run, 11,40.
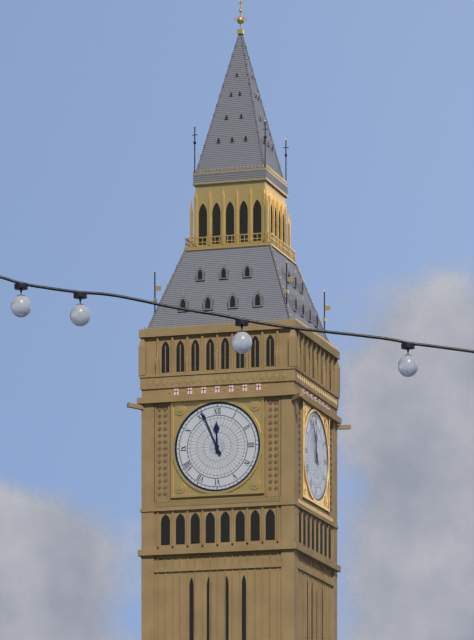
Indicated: 11,56
